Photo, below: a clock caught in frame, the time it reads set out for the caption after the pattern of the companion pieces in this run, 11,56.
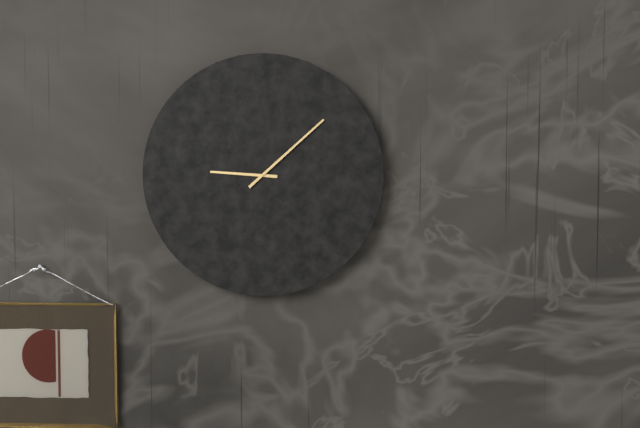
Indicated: 9,08
